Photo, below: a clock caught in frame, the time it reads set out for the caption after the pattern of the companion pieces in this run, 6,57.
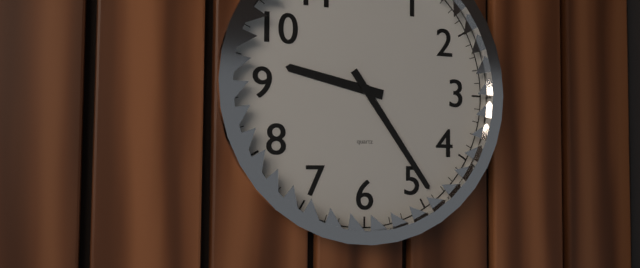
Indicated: 9,24
